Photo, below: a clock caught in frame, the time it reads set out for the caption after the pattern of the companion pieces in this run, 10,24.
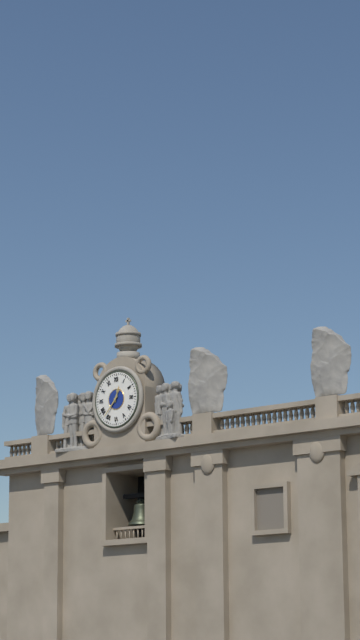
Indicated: 12,37
